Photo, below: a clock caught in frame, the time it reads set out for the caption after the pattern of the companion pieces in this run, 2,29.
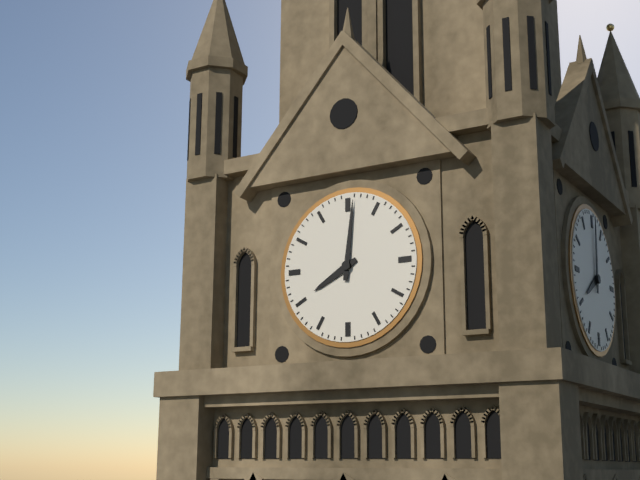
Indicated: 8,01
